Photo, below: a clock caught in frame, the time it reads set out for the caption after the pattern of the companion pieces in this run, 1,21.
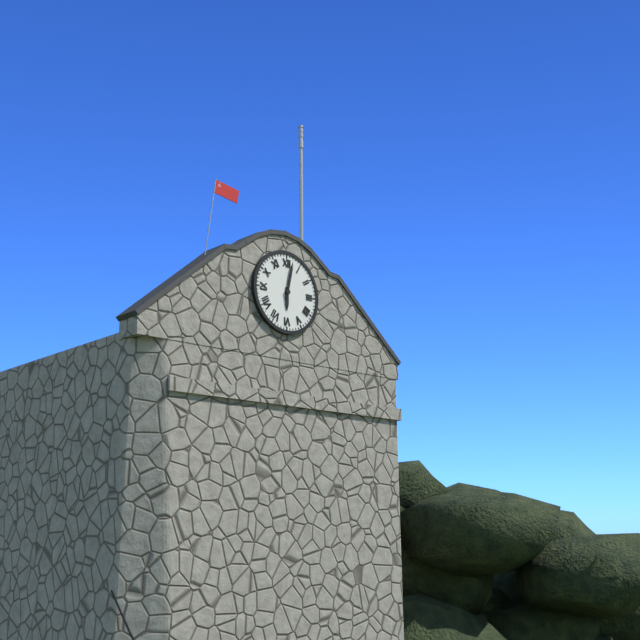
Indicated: 6,02
